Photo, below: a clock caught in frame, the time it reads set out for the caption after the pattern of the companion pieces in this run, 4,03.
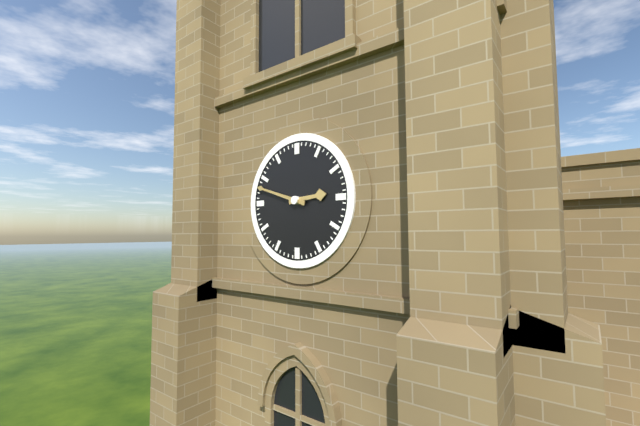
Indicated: 2,48
